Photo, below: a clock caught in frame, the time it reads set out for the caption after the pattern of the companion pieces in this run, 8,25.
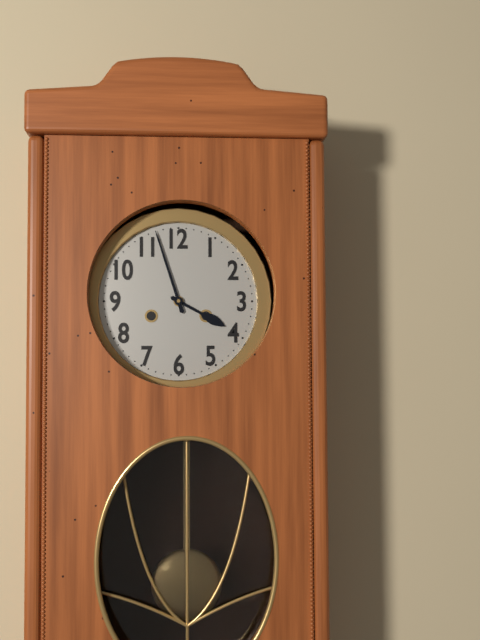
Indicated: 3,57
